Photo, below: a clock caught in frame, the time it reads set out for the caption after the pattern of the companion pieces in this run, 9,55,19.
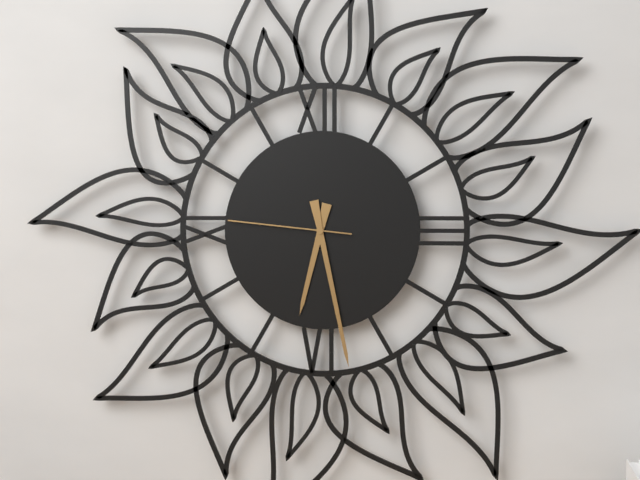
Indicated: 6,28,46
